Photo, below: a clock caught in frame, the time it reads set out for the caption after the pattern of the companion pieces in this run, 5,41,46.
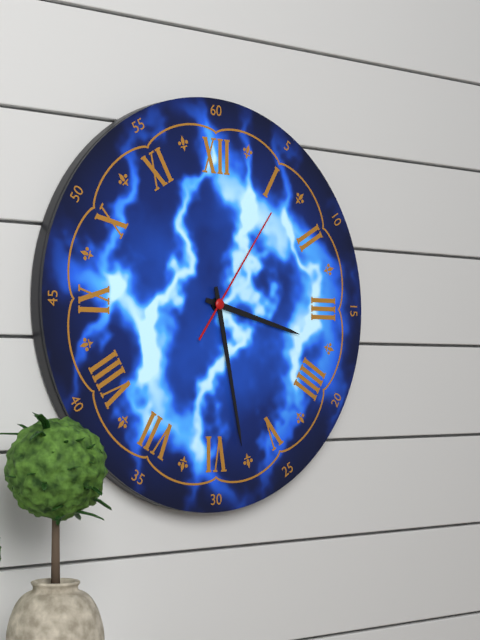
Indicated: 3,28,06
